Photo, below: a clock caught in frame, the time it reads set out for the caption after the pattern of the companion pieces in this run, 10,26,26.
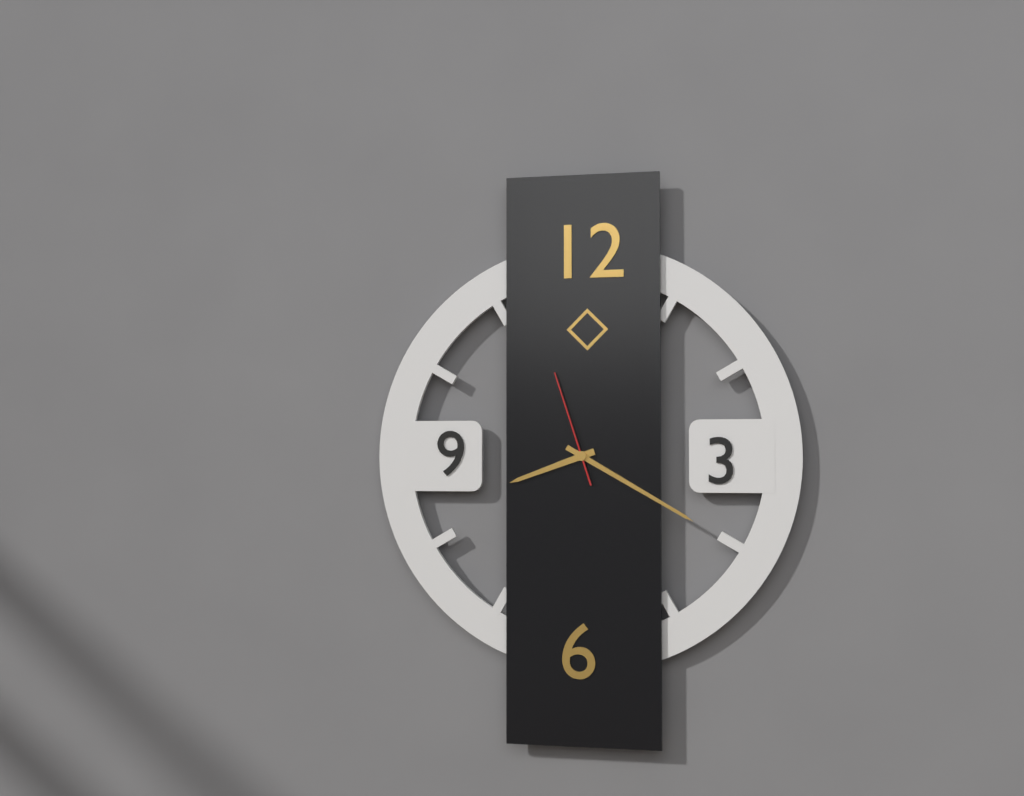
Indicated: 8,20,57
